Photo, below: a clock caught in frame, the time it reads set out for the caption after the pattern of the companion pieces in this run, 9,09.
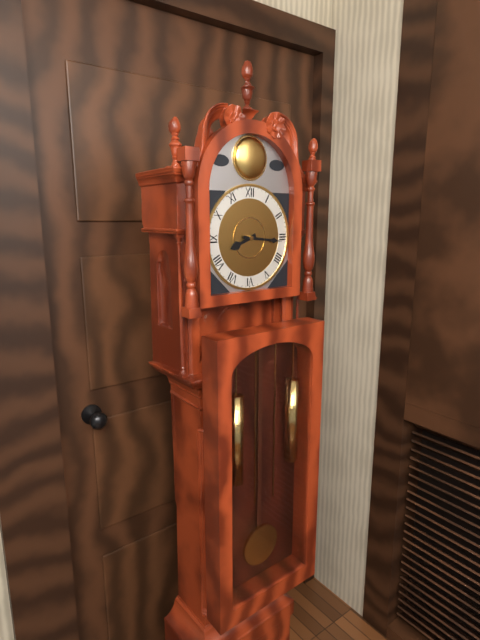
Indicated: 8,16
